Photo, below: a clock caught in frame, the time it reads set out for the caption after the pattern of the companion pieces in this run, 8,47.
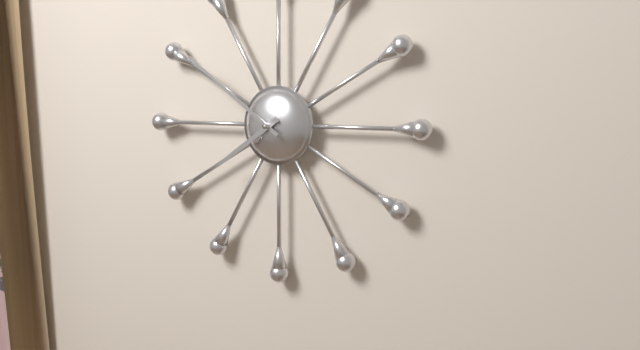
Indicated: 7,51
